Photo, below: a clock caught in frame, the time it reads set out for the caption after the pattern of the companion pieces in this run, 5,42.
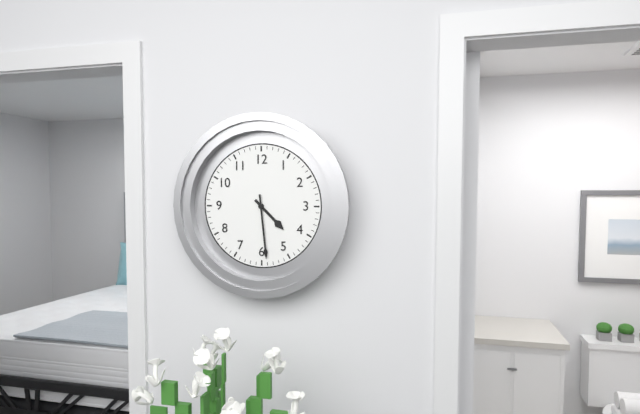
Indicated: 4,29
